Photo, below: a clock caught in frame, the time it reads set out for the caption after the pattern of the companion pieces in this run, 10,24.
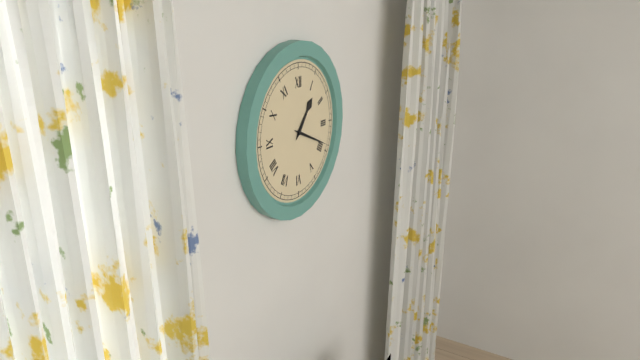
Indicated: 1,19
